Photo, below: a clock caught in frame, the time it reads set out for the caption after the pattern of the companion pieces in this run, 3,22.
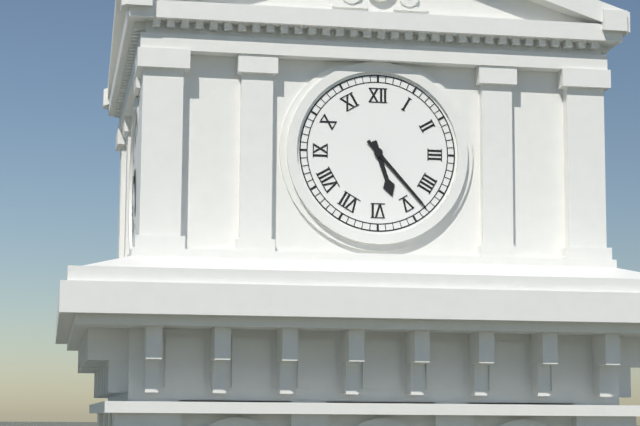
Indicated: 5,23
